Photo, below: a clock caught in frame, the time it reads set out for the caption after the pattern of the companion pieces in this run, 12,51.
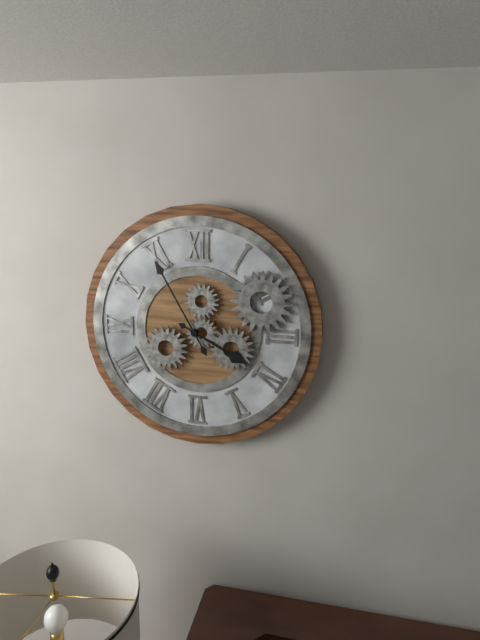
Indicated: 3,55
